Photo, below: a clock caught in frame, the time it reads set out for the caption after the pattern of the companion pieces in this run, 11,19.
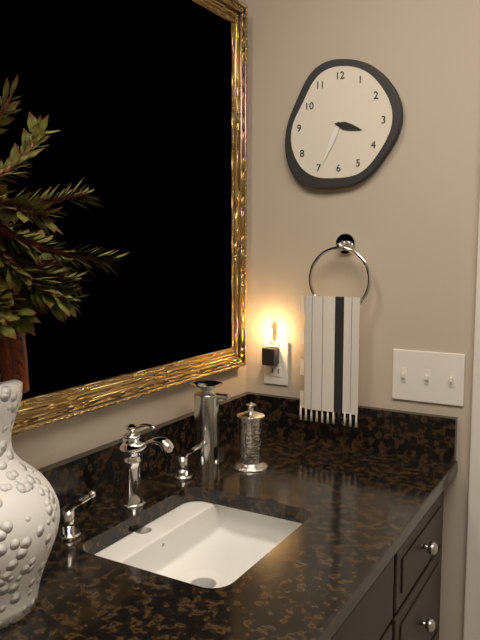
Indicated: 3,34
